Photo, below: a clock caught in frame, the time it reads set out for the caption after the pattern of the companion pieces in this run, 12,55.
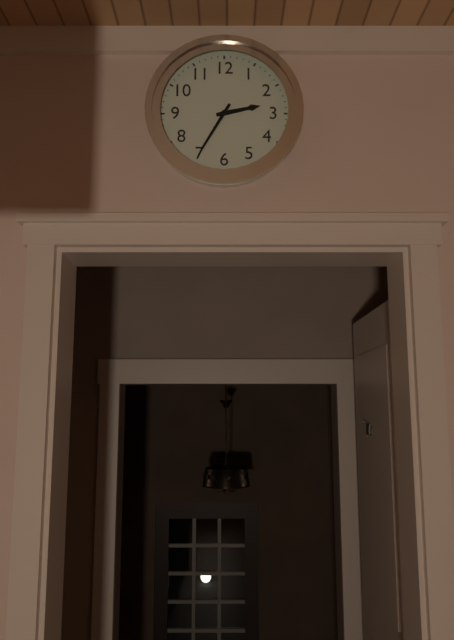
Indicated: 2,35
